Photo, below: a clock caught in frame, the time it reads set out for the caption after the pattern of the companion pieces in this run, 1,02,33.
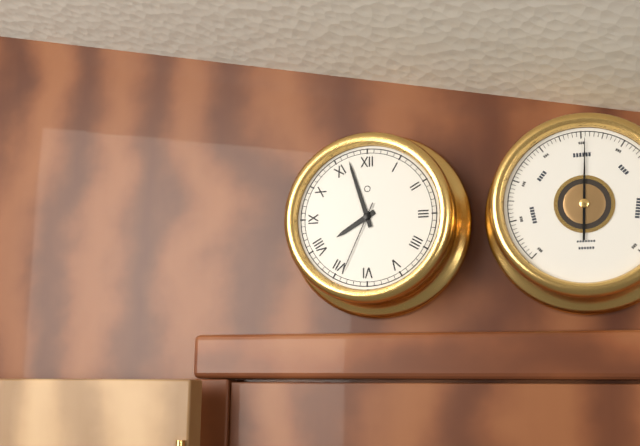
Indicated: 7,57,34
